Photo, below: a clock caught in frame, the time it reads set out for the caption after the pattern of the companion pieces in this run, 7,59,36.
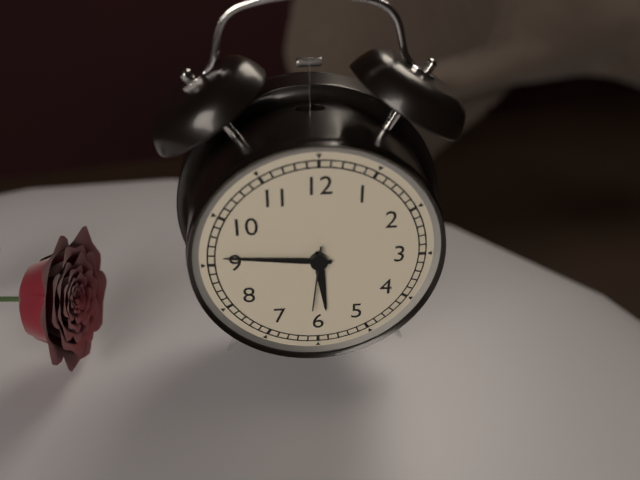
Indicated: 5,46,31
